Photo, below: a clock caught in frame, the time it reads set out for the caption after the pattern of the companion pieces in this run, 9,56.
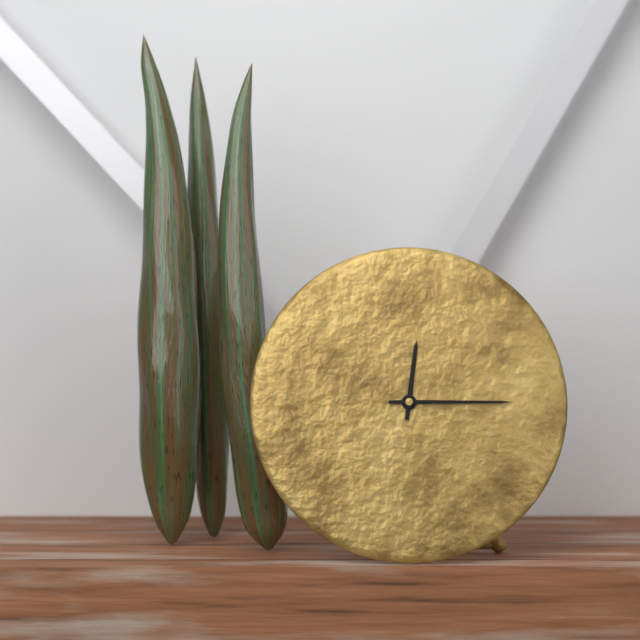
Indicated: 12,15
